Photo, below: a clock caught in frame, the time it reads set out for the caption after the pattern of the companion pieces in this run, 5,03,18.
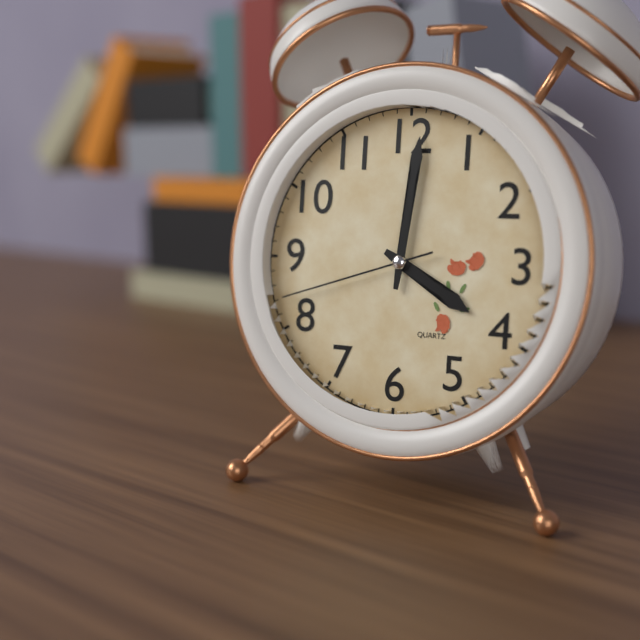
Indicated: 4,01,42
